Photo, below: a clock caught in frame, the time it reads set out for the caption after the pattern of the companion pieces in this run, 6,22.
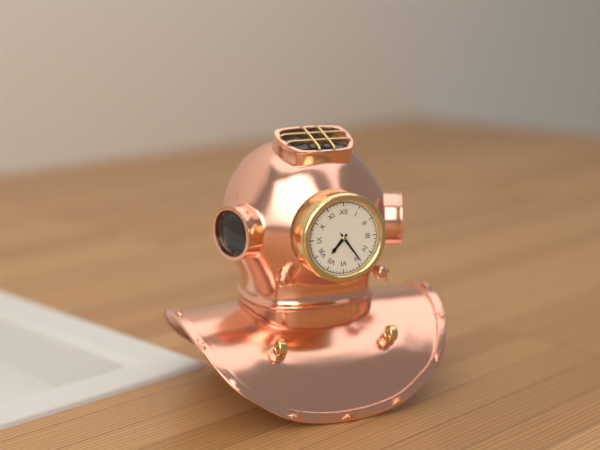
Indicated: 7,24
